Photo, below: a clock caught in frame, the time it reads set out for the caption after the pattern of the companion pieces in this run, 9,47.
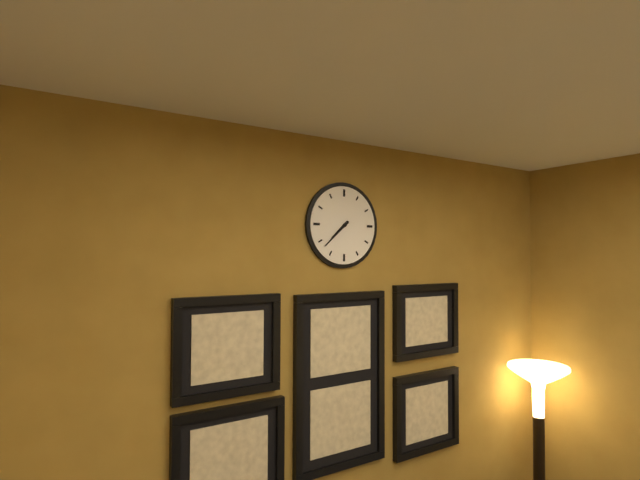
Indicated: 7,38
